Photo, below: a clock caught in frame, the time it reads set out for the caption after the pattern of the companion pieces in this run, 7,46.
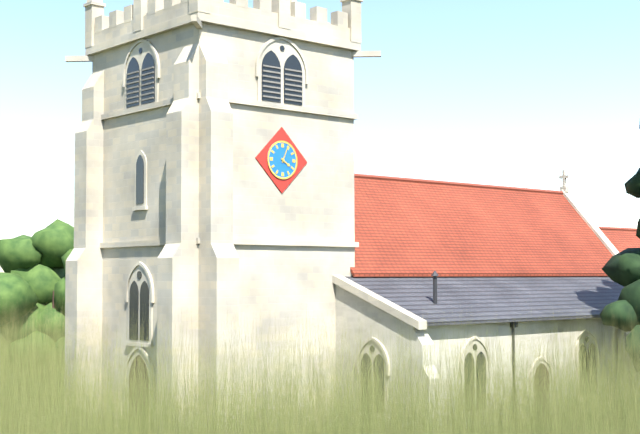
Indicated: 4,04
